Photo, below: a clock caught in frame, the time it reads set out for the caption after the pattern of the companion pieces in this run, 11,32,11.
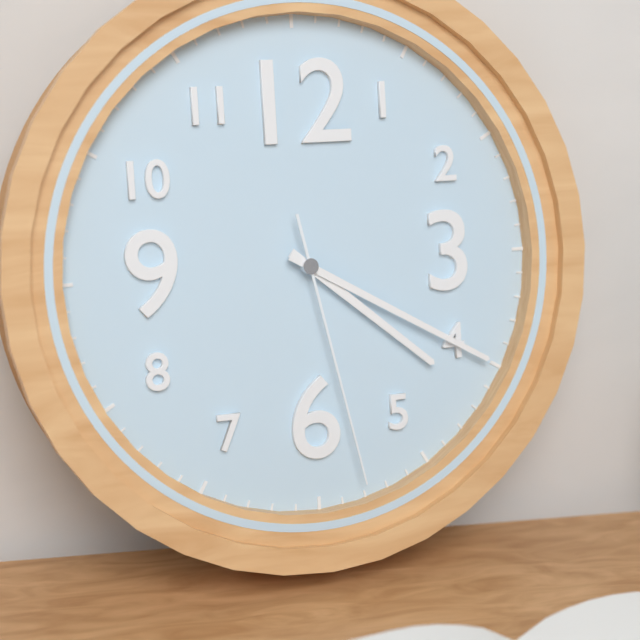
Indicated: 4,20,28
